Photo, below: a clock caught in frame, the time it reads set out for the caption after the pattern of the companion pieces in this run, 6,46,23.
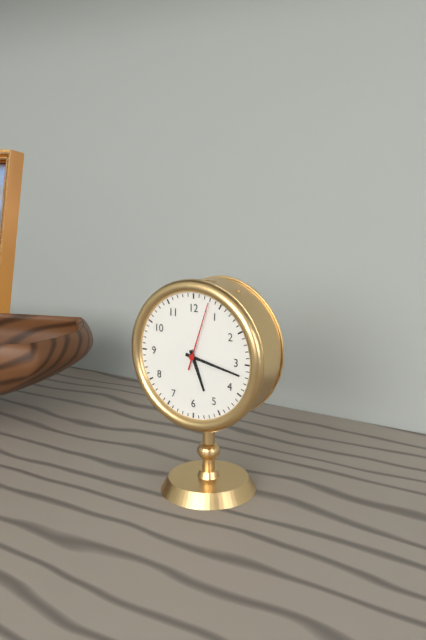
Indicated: 5,17,03
